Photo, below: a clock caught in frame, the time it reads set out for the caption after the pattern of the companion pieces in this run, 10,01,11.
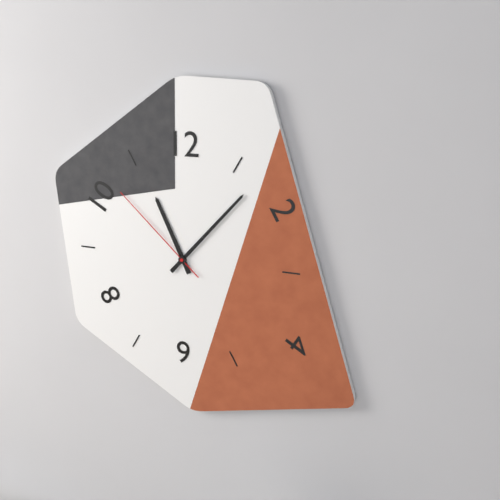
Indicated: 11,07,52
